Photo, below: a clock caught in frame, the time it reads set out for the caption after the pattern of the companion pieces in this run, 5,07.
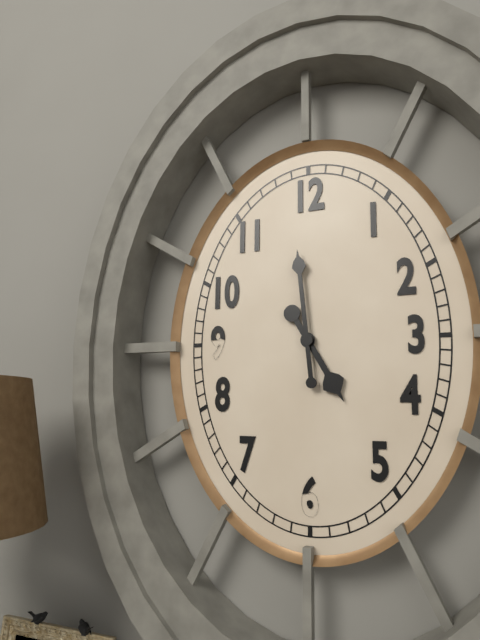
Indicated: 4,59
